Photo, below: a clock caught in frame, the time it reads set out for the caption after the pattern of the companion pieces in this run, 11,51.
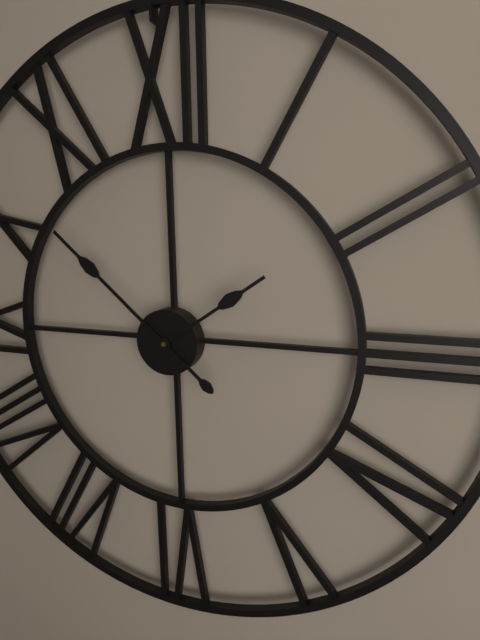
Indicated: 1,52
